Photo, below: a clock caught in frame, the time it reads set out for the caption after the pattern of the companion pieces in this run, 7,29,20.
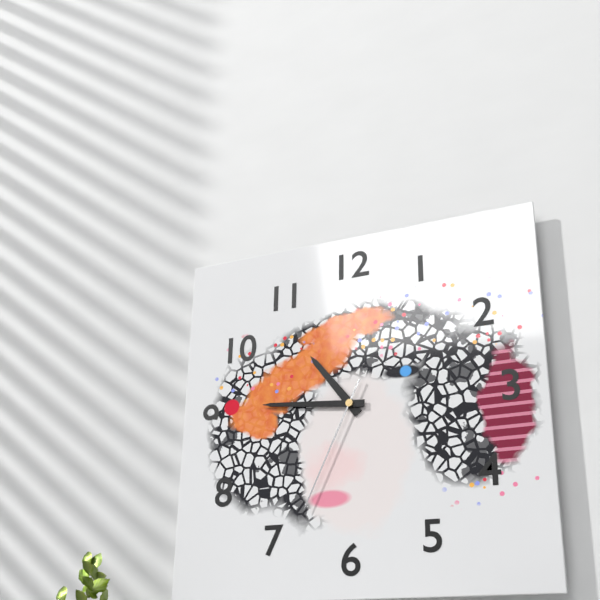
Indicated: 10,46,34
